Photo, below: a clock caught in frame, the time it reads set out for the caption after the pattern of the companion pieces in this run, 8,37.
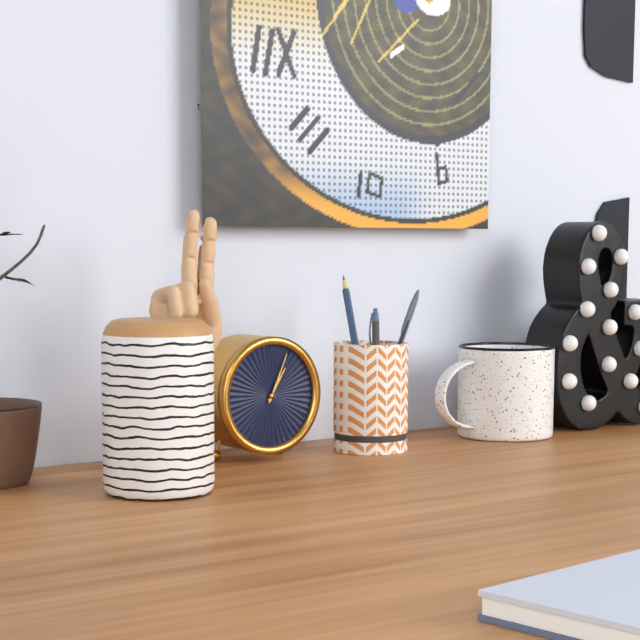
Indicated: 1,04
